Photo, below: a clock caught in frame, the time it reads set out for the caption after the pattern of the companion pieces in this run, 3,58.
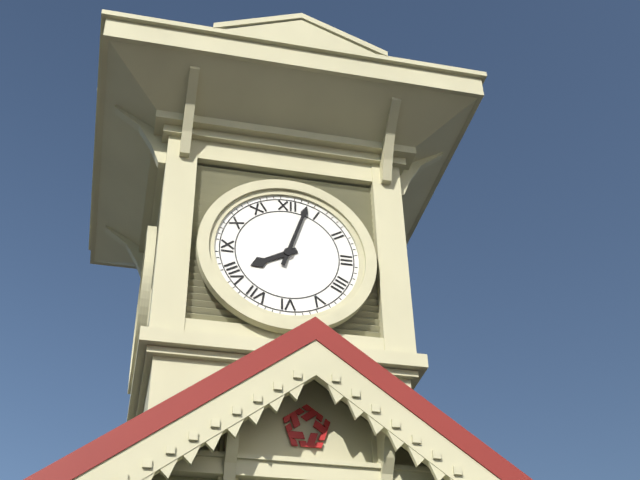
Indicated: 8,03
